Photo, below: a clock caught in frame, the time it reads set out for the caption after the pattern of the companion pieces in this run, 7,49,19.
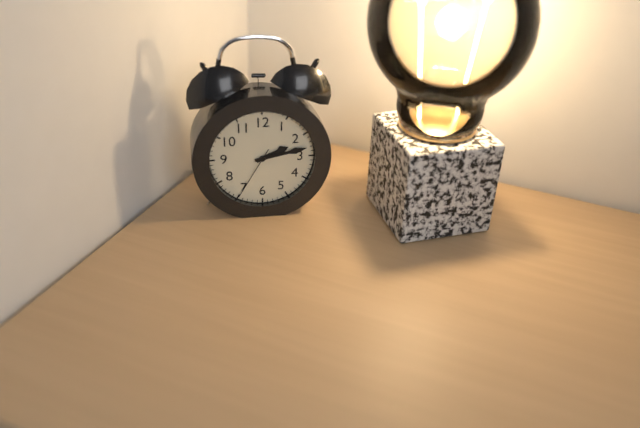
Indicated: 2,13,35
